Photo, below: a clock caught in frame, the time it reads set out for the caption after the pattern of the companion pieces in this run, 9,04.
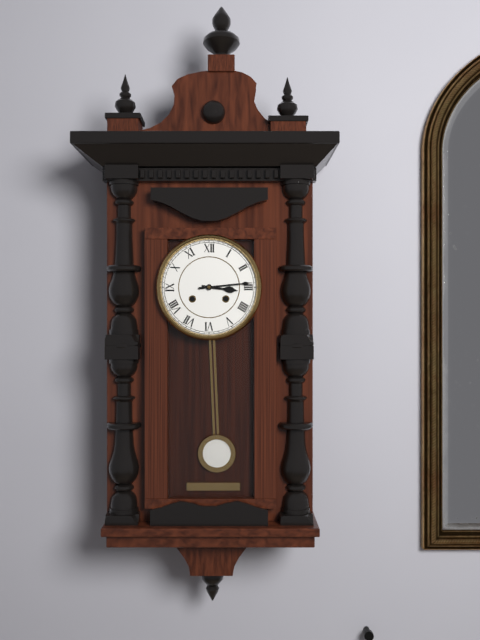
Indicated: 3,14
